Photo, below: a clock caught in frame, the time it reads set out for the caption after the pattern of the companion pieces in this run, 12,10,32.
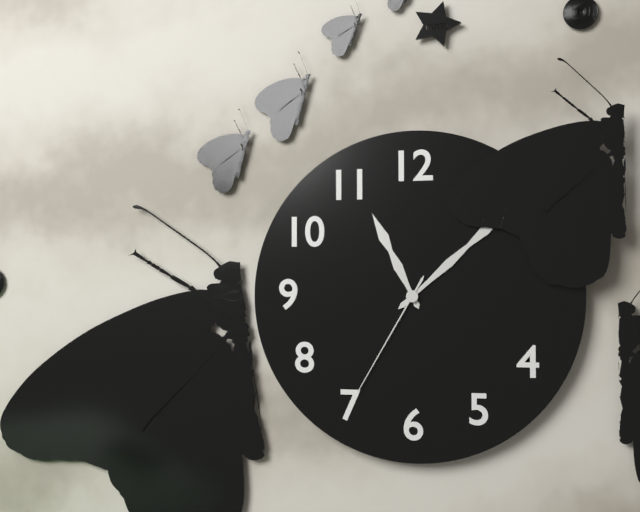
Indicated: 11,08,35
